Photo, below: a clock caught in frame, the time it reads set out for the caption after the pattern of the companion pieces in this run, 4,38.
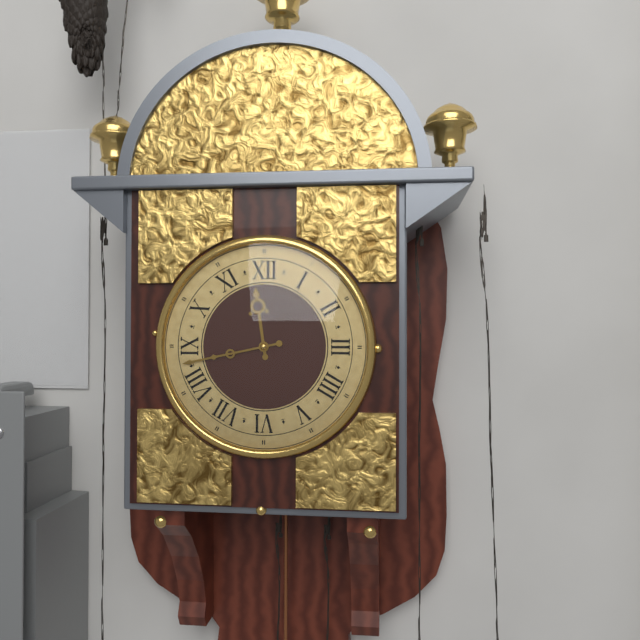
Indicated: 11,43
